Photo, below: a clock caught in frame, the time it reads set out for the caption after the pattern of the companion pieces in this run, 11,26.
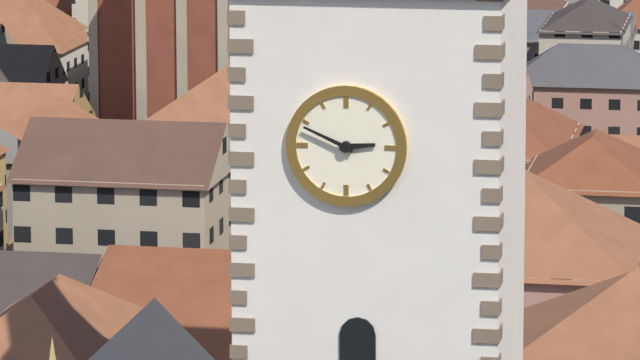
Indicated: 2,49
